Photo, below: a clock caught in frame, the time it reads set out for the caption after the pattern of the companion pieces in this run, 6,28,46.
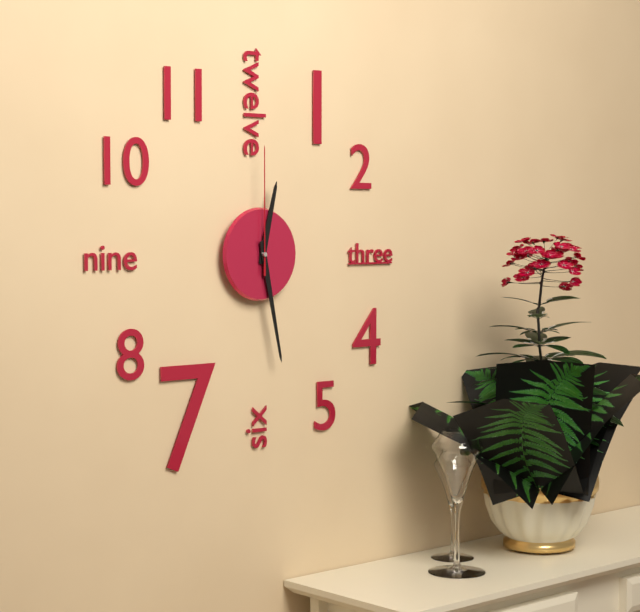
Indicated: 12,28,00
